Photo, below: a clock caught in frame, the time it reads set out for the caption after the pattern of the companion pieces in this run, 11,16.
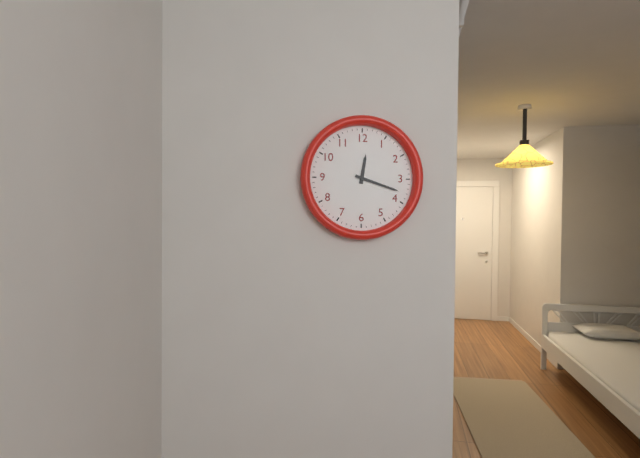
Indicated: 12,18
